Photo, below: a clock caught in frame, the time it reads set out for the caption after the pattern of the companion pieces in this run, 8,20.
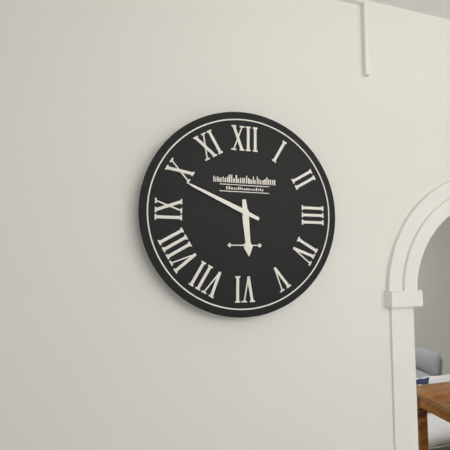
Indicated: 5,49
